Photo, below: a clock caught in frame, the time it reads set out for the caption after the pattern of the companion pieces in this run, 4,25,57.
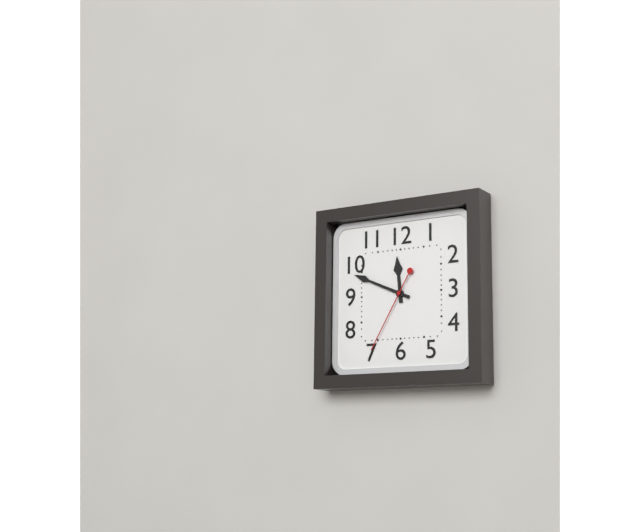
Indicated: 11,49,35
